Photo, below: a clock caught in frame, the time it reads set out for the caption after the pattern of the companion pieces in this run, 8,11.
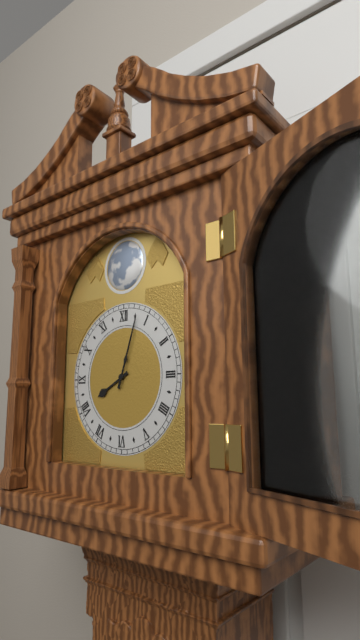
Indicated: 8,03
